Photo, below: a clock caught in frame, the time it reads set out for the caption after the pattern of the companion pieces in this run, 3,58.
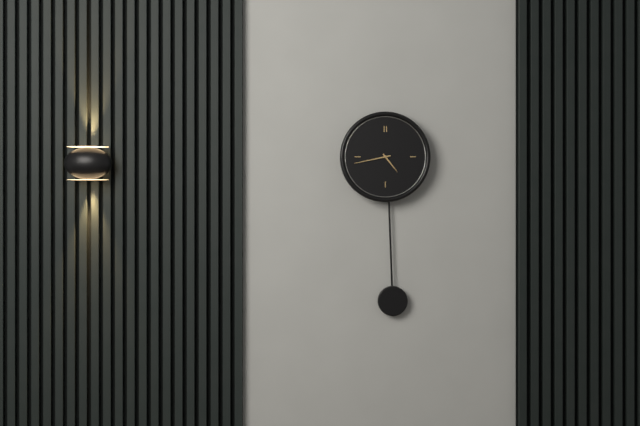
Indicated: 4,43
